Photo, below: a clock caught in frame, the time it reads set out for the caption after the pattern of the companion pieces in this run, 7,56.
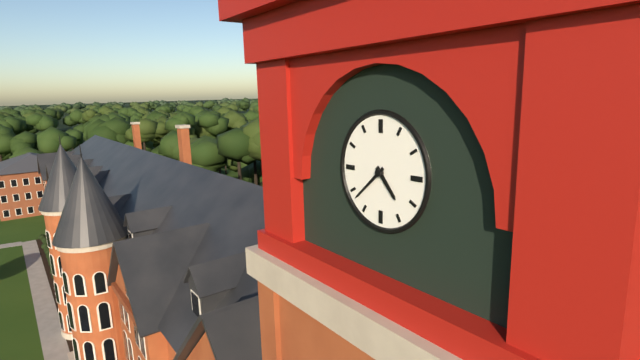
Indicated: 4,38
